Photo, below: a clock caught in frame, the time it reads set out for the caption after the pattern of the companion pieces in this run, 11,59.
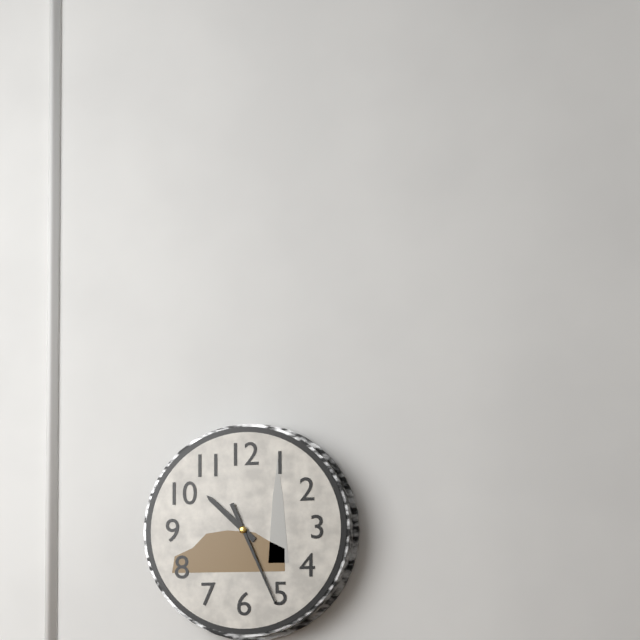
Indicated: 10,26
